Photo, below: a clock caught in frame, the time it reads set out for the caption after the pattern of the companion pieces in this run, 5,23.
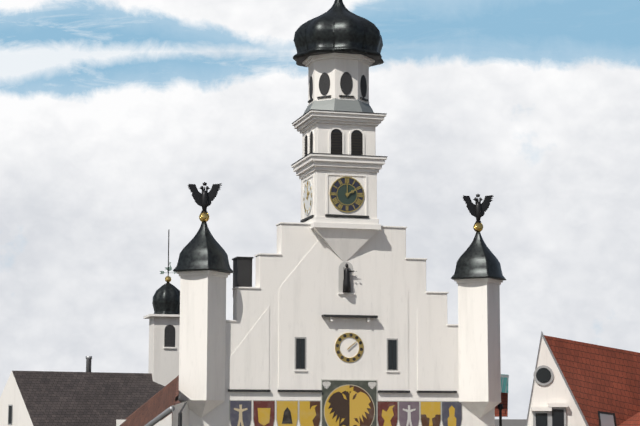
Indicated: 2,00
